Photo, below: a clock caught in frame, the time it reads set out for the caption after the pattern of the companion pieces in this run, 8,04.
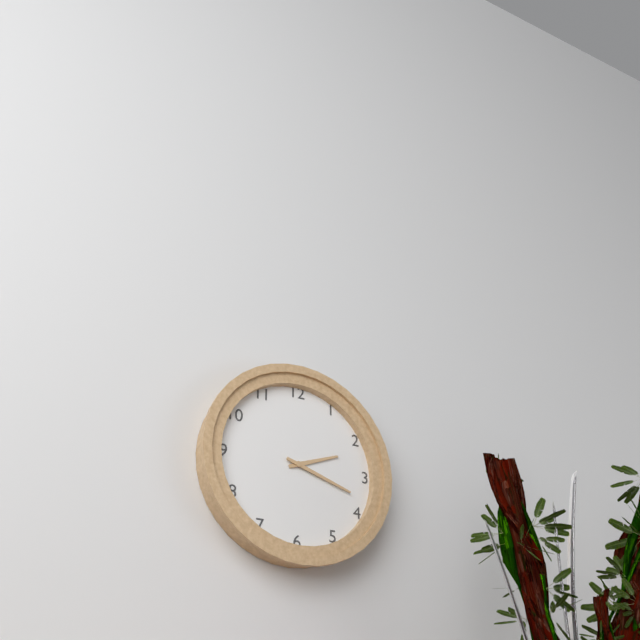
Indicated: 2,18
